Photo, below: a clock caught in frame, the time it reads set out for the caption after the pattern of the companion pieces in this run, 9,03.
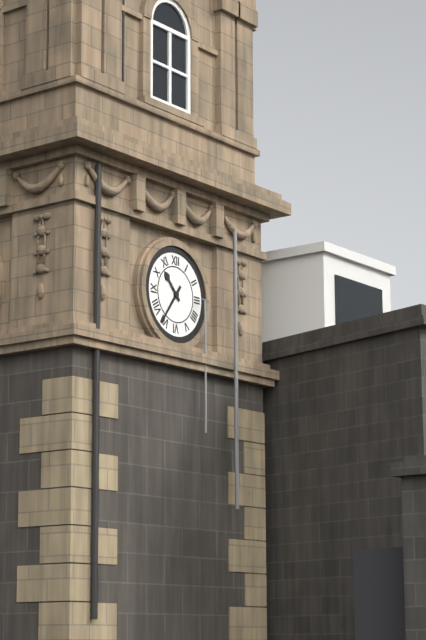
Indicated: 10,36
